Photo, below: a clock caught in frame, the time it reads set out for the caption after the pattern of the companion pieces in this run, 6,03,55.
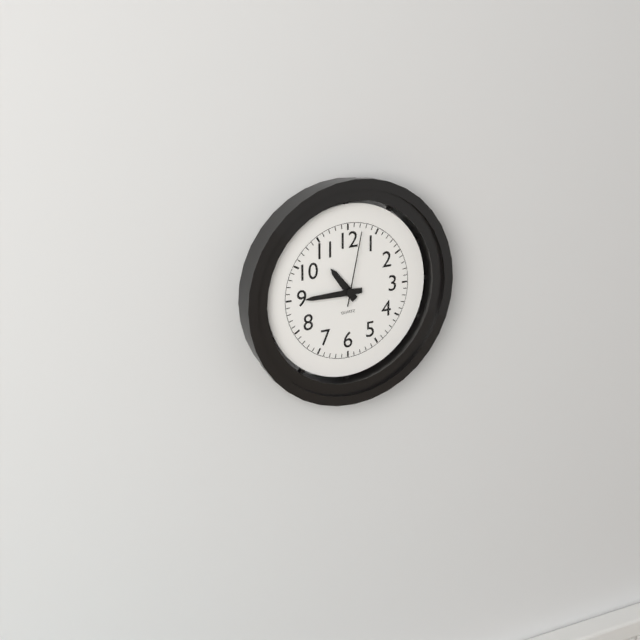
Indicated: 10,45,02
